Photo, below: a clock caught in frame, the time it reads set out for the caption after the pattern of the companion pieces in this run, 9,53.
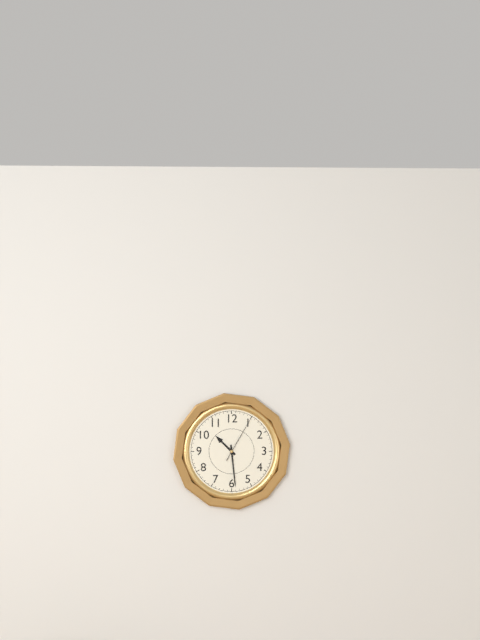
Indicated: 10,29
